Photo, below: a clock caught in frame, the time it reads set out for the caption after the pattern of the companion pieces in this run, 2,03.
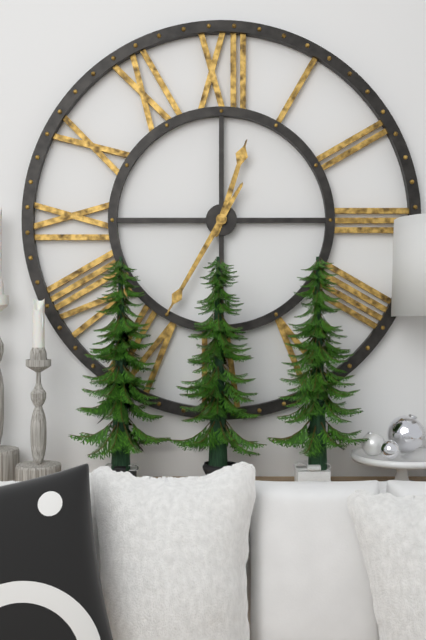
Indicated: 12,35
